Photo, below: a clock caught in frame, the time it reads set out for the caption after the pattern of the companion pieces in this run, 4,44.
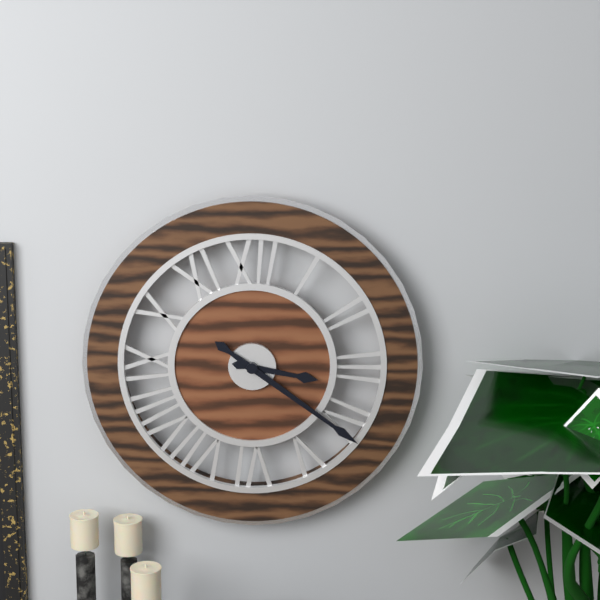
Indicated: 3,21
